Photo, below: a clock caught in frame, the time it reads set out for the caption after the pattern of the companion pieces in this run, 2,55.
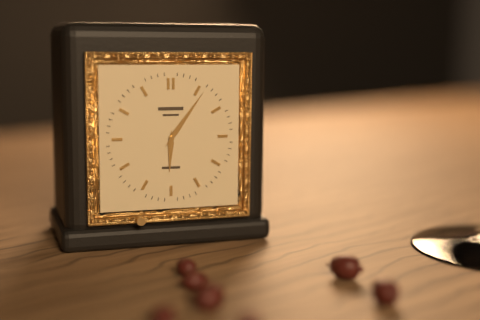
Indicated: 6,06
